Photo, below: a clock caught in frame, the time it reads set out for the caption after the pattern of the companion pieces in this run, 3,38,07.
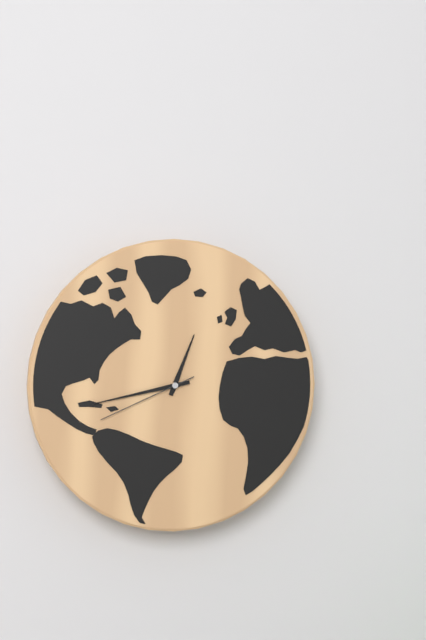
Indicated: 12,43,41
